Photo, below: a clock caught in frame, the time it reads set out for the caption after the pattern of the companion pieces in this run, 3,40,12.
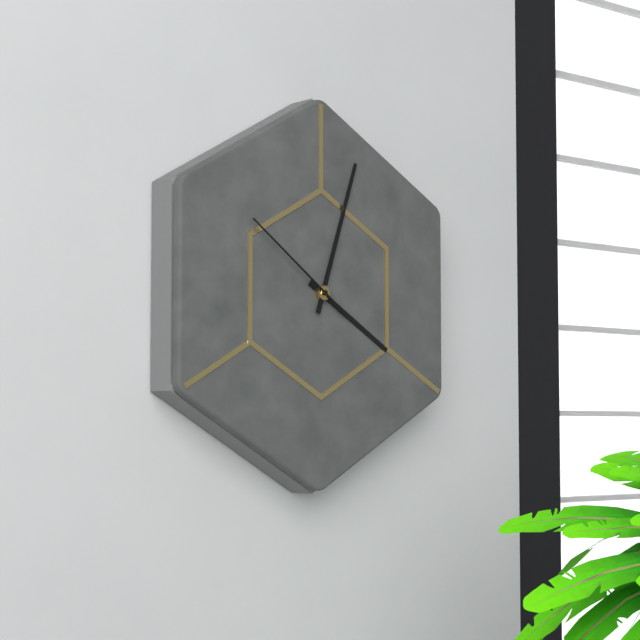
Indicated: 4,03,51
